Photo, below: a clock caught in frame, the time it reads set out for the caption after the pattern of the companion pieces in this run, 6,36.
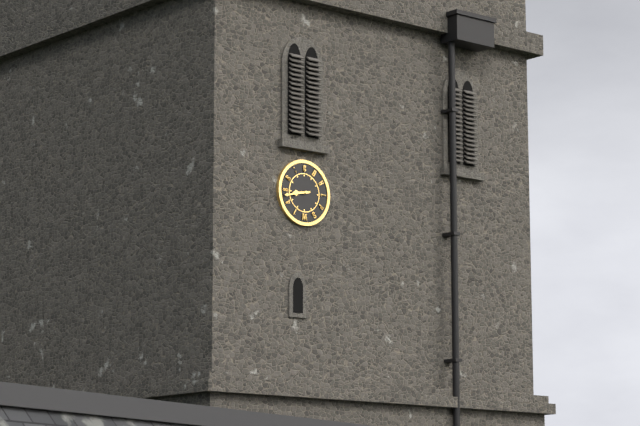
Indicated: 8,43
